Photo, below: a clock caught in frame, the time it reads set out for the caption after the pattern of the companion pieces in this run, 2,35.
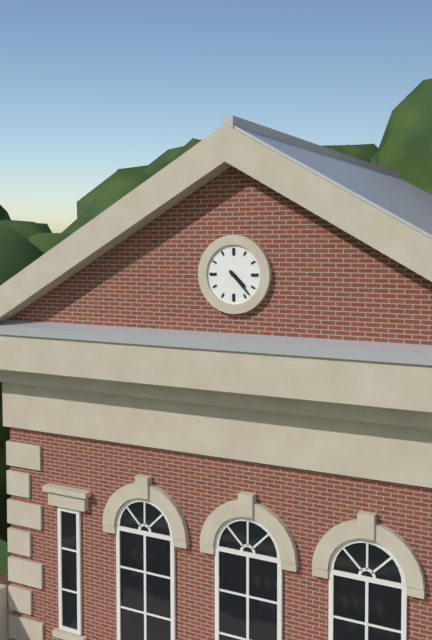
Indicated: 4,23
